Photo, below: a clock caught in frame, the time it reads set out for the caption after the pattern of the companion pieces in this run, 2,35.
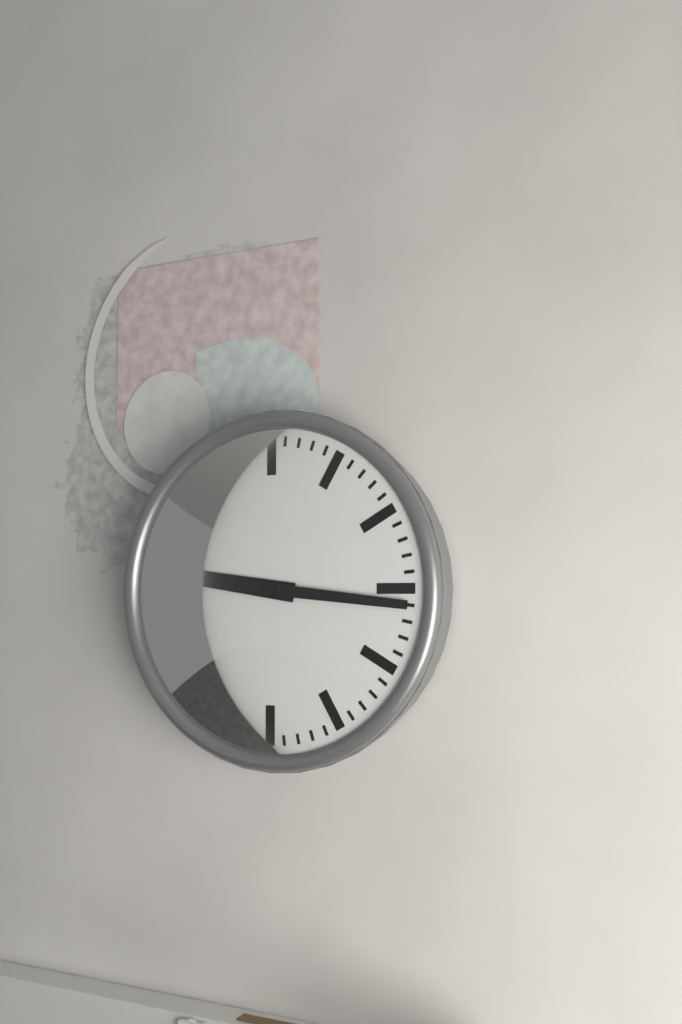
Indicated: 9,16
